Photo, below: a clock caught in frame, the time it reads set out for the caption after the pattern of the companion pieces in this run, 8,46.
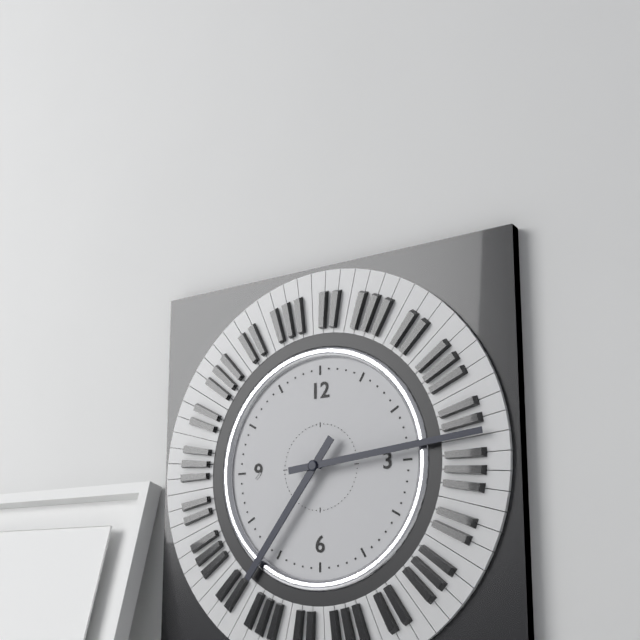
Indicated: 7,14
